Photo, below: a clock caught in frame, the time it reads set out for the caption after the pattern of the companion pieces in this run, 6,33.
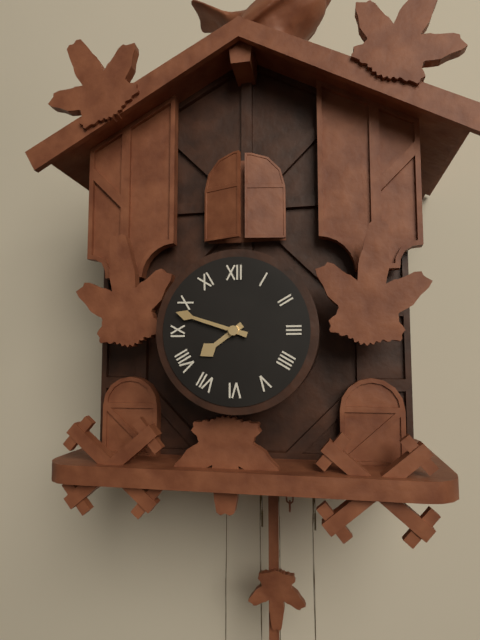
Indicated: 7,48
